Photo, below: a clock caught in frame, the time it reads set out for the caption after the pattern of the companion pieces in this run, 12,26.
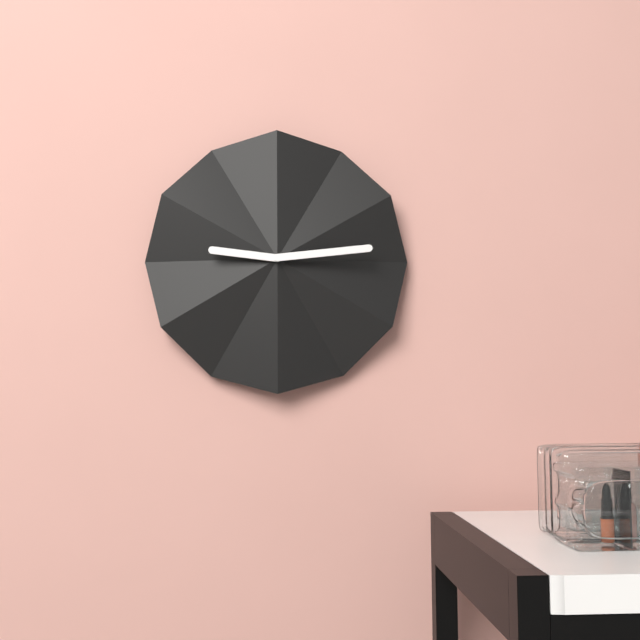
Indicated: 9,14
